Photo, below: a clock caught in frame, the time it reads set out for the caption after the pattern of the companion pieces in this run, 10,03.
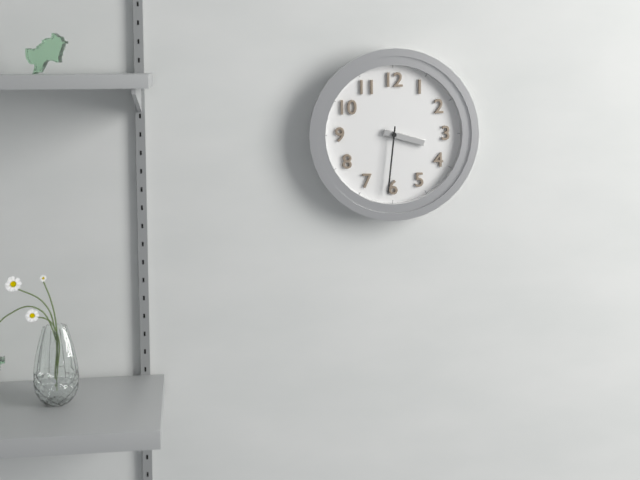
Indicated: 3,31
